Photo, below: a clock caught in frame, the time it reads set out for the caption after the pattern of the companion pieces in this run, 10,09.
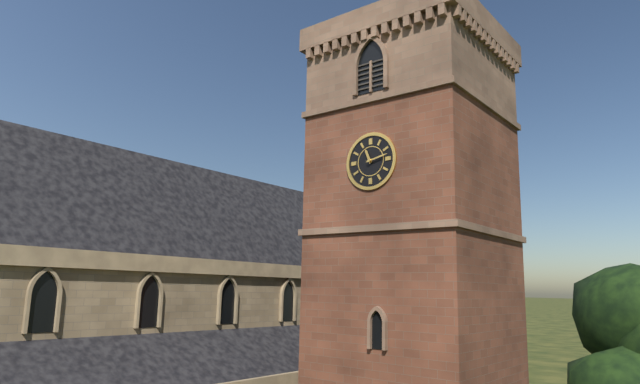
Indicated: 11,13
